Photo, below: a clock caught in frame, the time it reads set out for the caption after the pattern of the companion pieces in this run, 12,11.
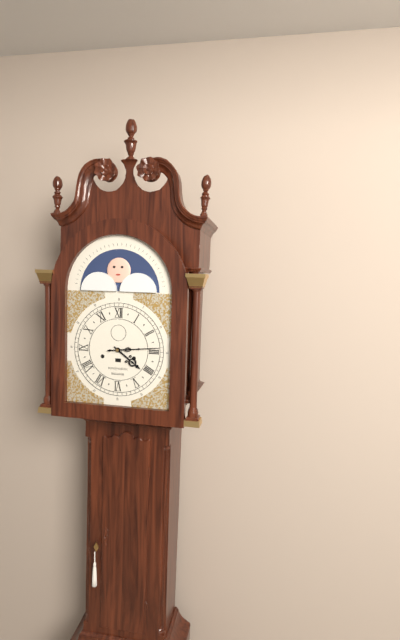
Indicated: 4,14
